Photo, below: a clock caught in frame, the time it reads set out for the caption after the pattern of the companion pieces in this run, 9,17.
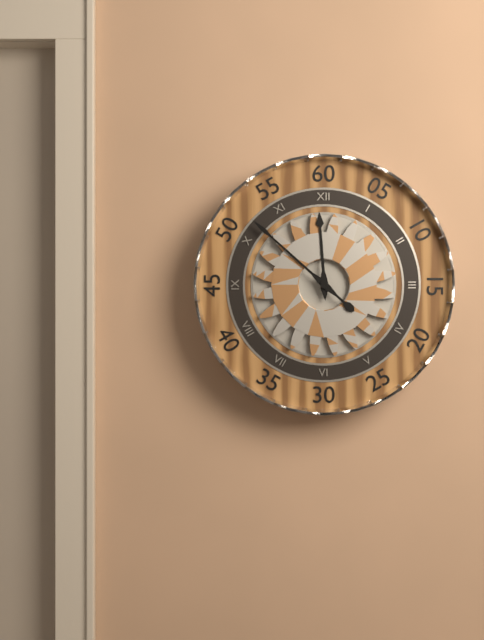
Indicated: 11,52
